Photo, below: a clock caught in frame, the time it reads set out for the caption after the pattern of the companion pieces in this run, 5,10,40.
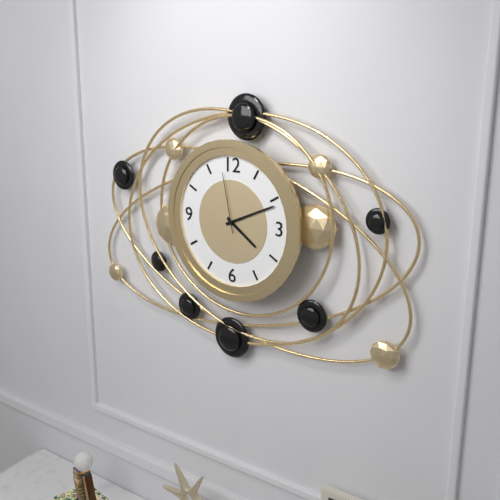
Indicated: 4,11,58
